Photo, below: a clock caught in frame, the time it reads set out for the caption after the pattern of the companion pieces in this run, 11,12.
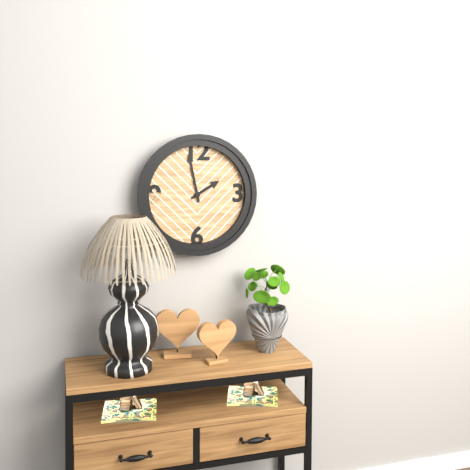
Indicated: 1,58
